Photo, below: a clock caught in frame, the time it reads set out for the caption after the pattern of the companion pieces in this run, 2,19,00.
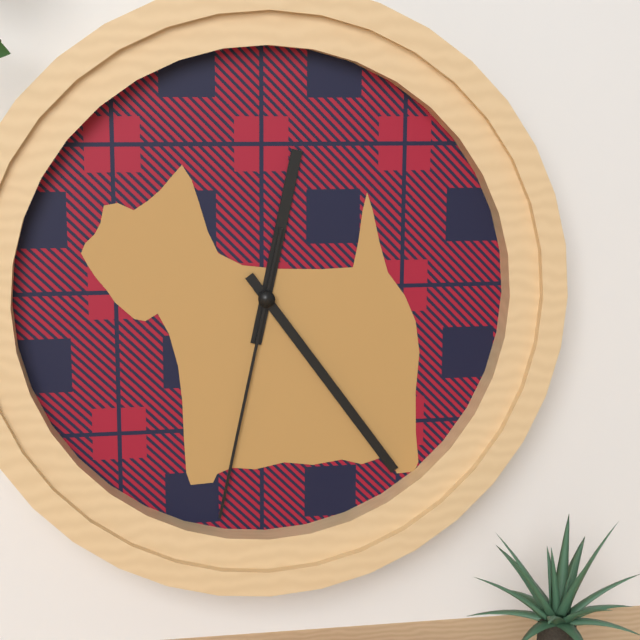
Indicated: 12,24,32
